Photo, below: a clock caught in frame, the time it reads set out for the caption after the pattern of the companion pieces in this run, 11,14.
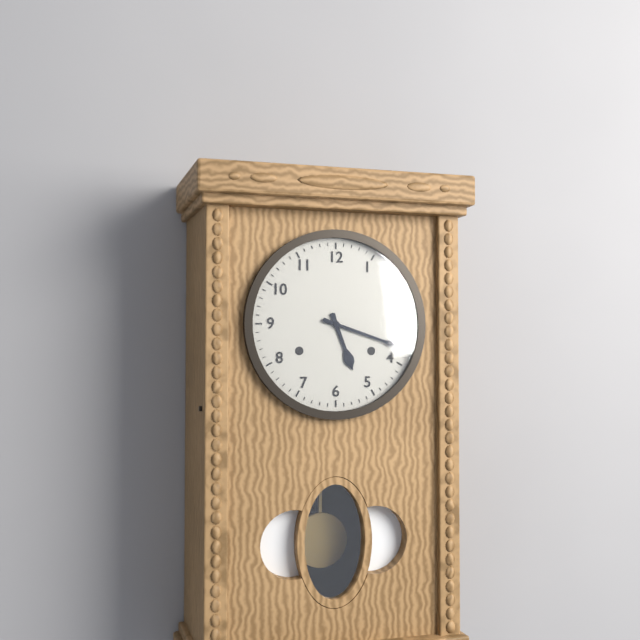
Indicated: 5,18
